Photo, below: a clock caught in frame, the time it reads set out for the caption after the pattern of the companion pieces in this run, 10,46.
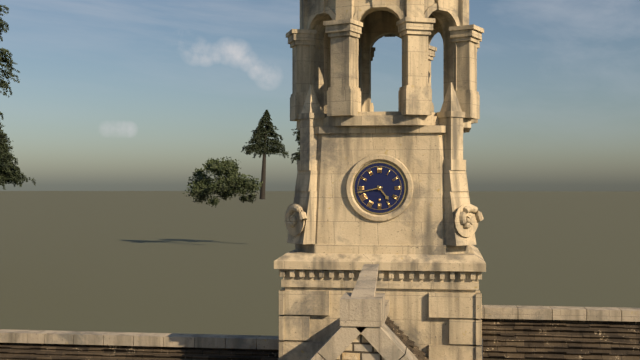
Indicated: 4,43
